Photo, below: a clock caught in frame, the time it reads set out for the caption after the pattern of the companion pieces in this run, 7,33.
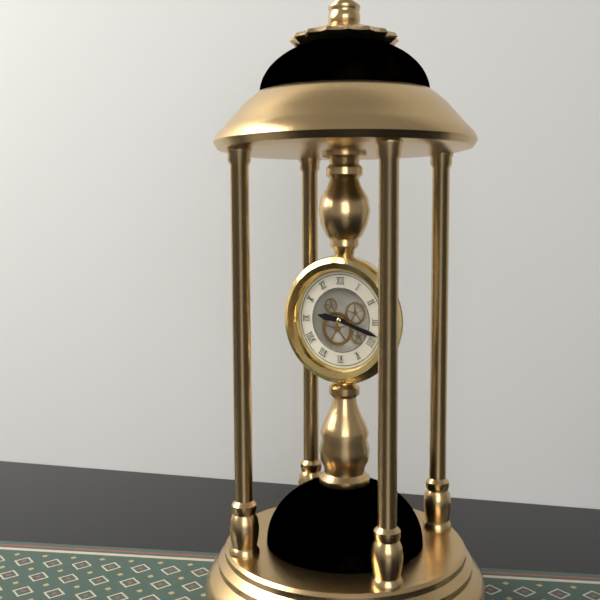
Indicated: 9,18
